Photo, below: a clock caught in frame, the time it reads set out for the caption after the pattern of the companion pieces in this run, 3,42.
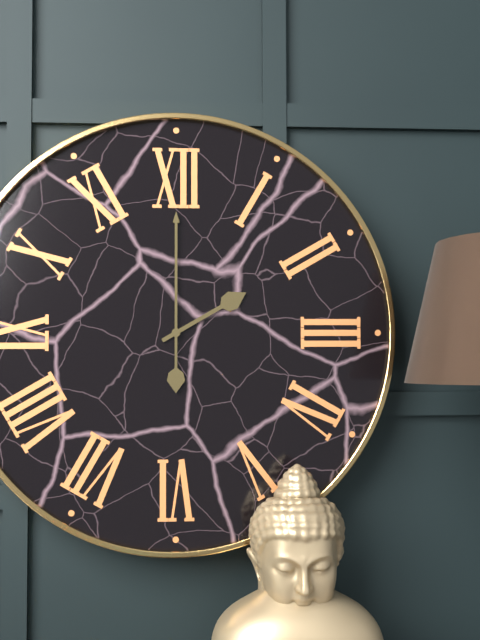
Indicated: 2,00
